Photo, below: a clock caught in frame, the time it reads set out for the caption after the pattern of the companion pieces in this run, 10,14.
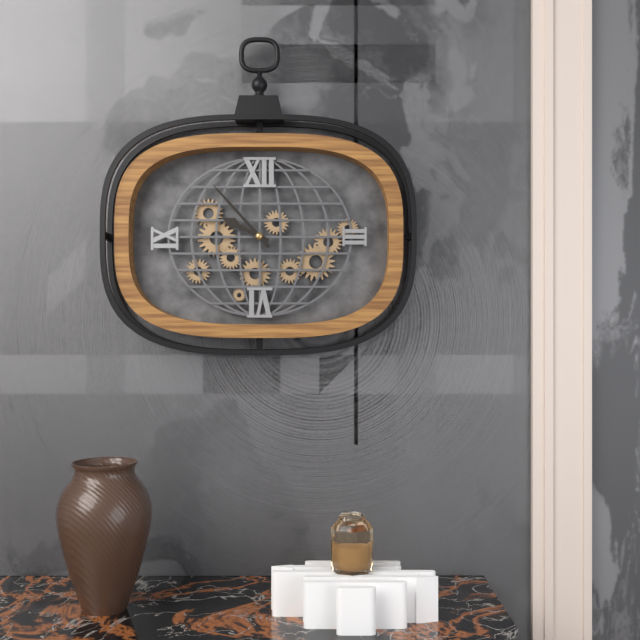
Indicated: 9,53
